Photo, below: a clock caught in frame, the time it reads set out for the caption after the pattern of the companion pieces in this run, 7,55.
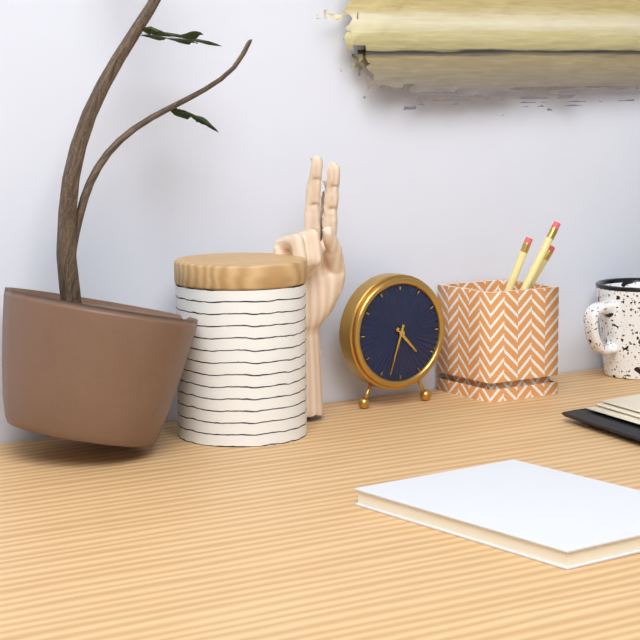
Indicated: 4,33
